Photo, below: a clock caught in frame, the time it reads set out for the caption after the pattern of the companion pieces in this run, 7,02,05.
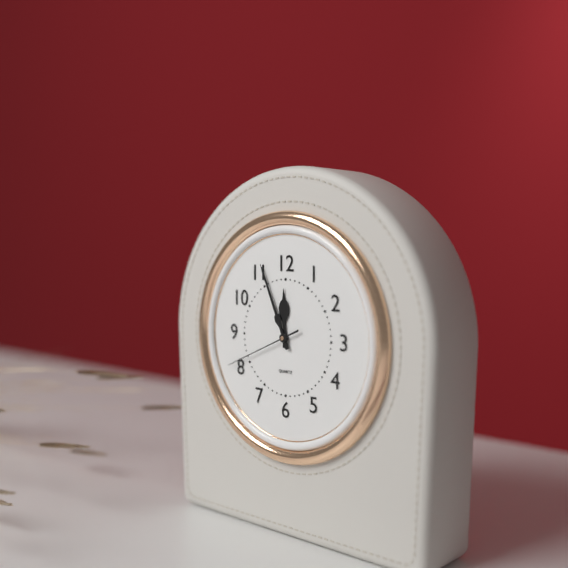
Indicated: 11,56,41
